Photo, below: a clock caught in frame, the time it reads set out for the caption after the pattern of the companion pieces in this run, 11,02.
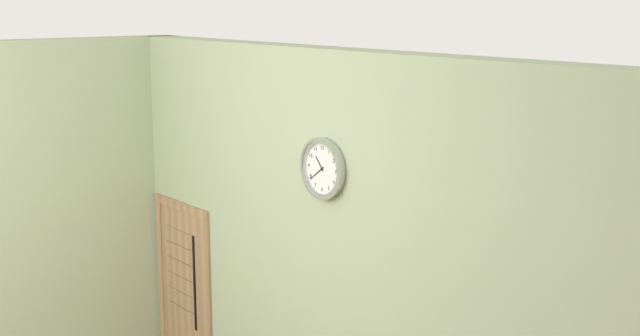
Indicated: 10,39
